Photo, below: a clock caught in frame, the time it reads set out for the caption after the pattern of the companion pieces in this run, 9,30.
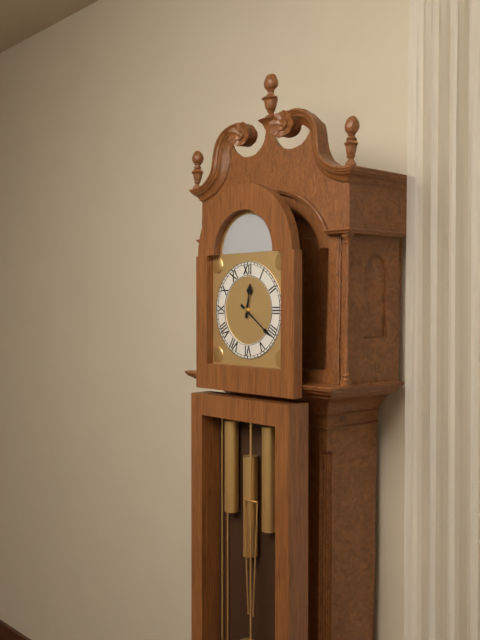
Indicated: 12,21
